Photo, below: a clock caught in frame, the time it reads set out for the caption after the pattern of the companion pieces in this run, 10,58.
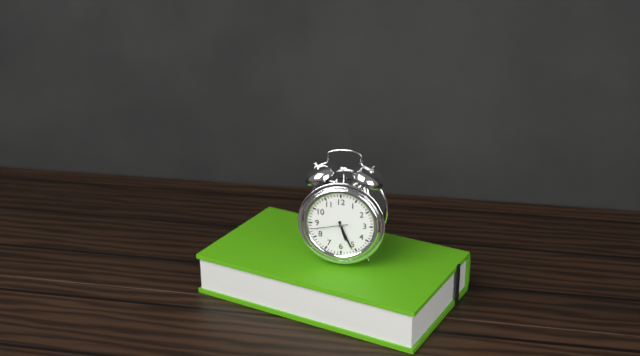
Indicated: 5,26
